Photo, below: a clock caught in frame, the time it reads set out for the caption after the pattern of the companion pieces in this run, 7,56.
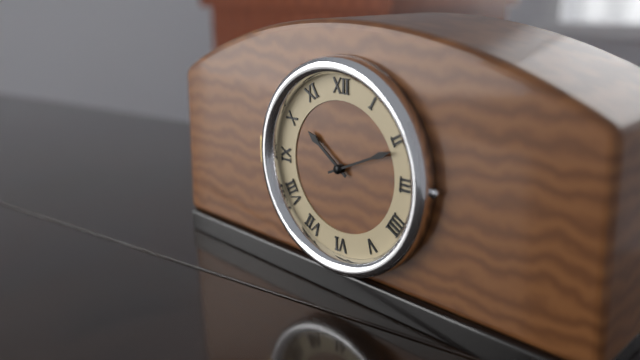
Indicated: 10,11
